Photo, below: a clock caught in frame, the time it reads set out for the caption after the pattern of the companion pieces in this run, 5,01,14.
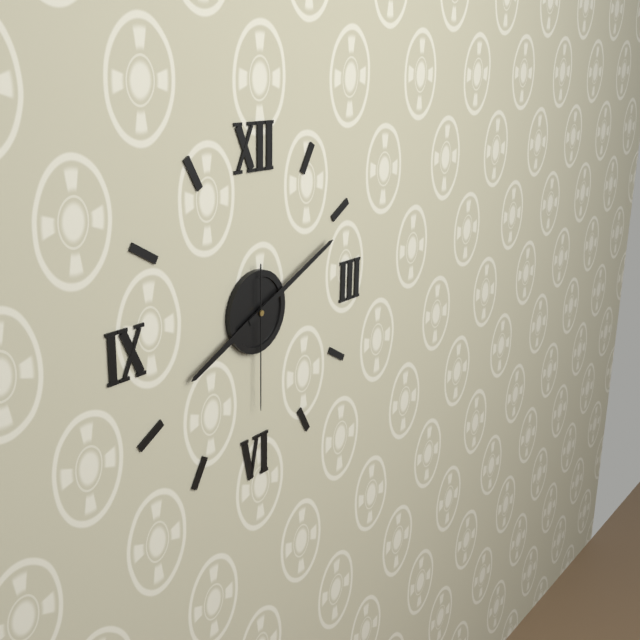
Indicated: 8,11,30
